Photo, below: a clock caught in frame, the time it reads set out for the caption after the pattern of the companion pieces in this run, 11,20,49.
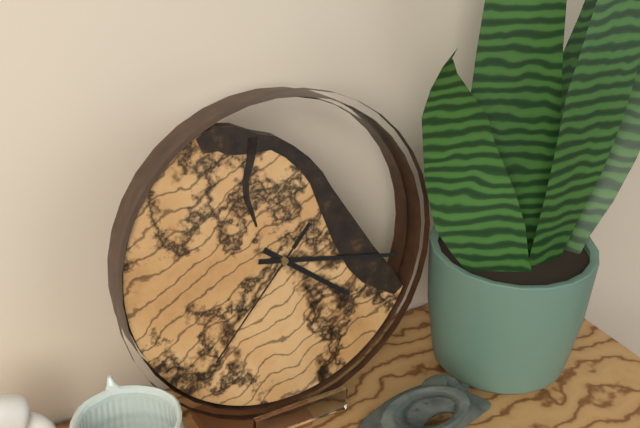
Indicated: 4,17,37
